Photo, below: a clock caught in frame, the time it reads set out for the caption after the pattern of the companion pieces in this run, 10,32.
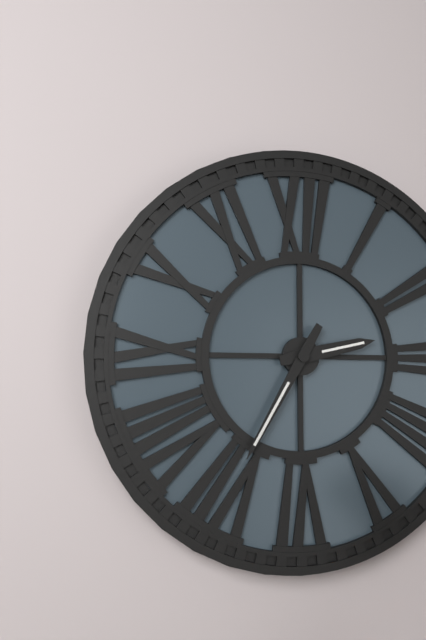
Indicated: 2,35
